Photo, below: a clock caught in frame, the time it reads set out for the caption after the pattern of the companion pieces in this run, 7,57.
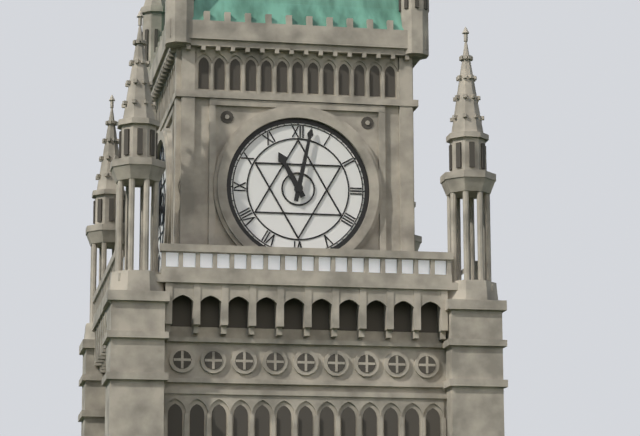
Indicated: 11,02
